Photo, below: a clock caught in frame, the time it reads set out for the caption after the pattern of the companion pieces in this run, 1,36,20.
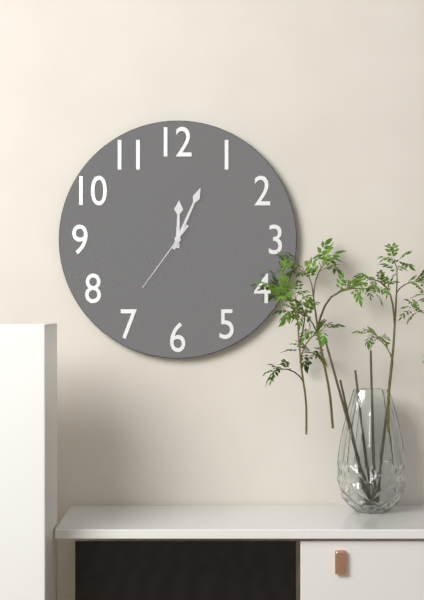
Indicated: 12,04,36
